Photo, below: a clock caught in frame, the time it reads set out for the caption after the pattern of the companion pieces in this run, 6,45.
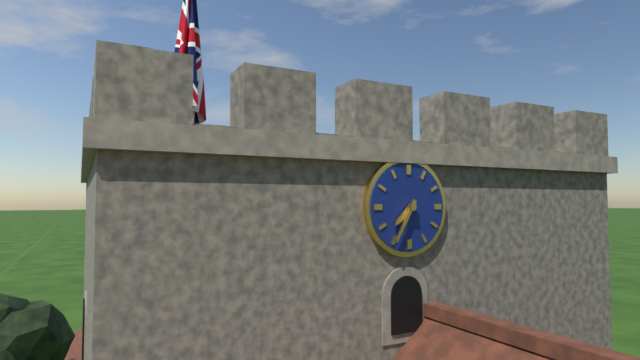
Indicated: 7,35
